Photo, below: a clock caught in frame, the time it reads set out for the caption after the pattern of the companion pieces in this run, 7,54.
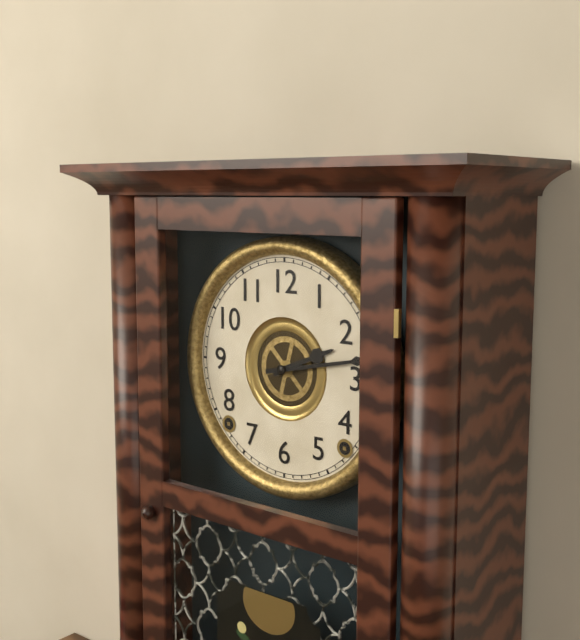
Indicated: 2,13
